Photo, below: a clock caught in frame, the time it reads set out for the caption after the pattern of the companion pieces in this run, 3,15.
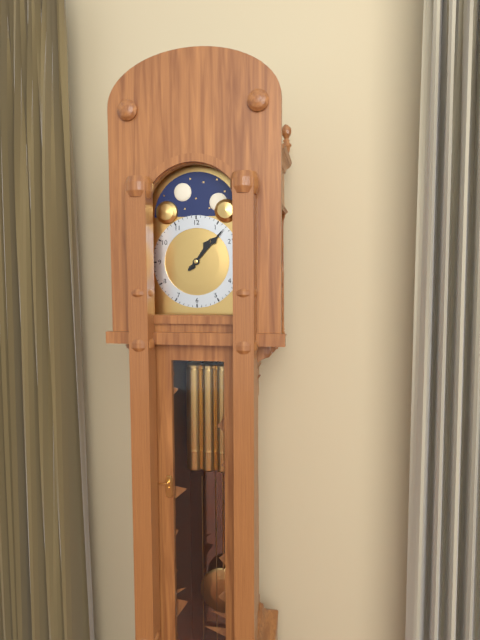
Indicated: 1,07
